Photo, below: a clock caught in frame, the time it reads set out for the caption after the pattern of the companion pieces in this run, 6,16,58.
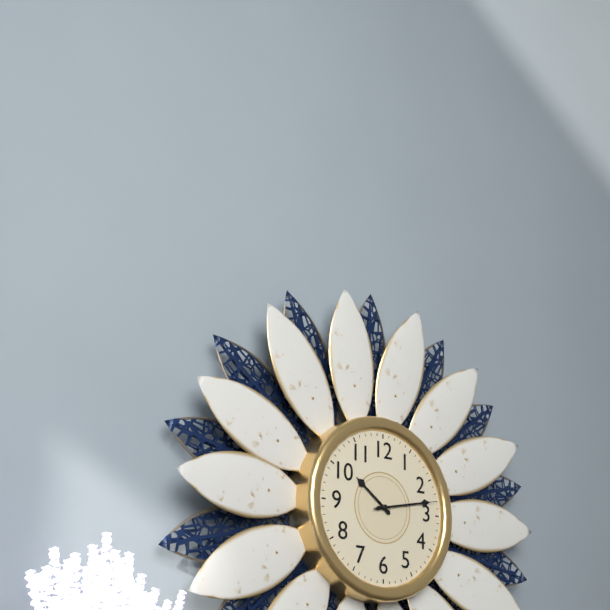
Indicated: 10,13,13
